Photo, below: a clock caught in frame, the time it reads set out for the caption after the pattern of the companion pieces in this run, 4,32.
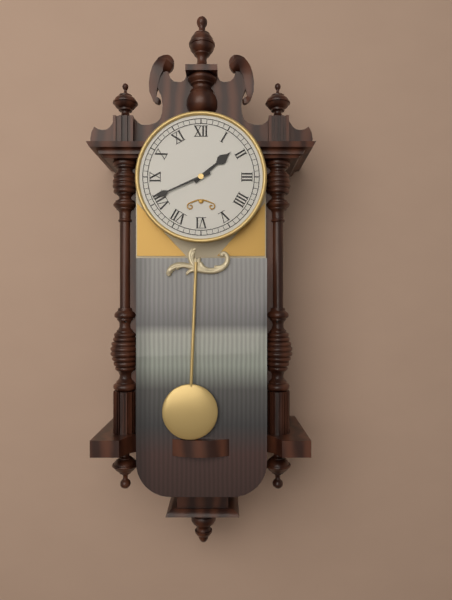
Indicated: 1,41
